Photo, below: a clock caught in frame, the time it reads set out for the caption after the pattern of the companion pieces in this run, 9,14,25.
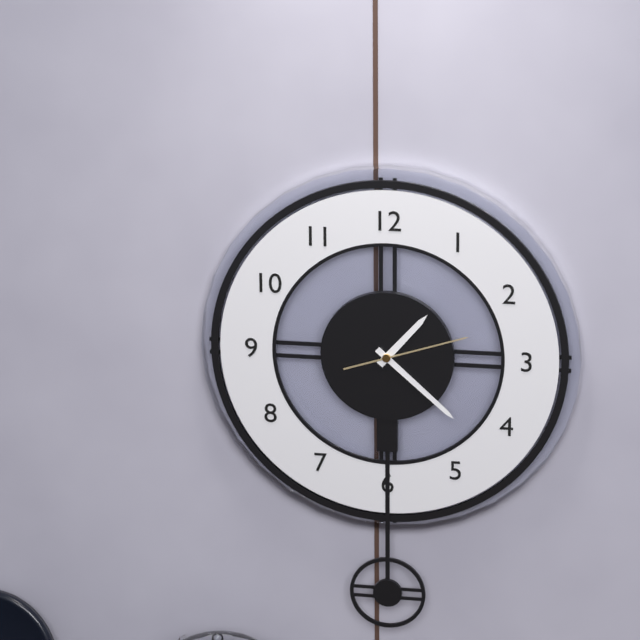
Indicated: 1,22,12
